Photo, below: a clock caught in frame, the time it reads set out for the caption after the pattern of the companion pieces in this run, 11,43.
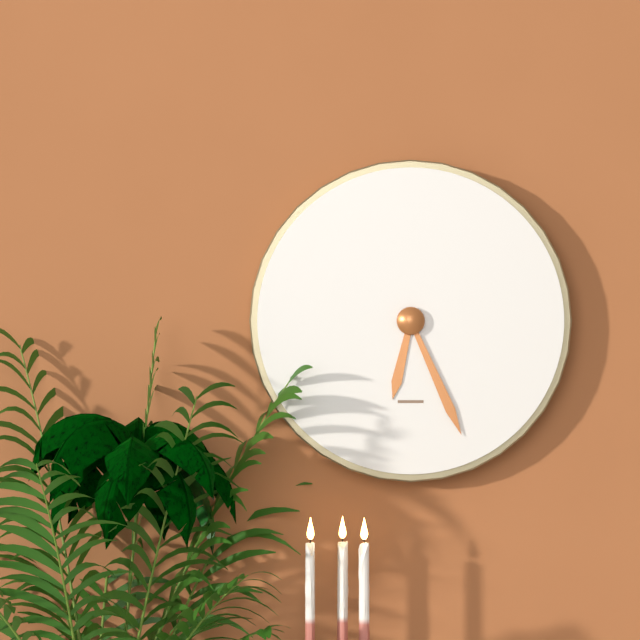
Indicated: 6,26
